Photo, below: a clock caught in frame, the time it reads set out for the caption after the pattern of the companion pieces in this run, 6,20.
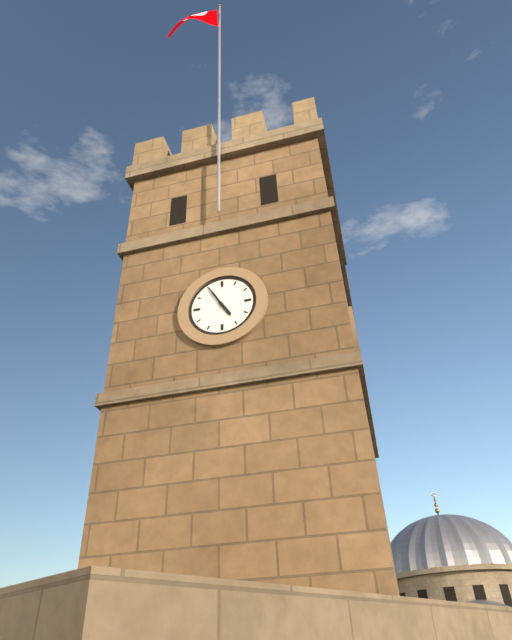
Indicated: 4,55
